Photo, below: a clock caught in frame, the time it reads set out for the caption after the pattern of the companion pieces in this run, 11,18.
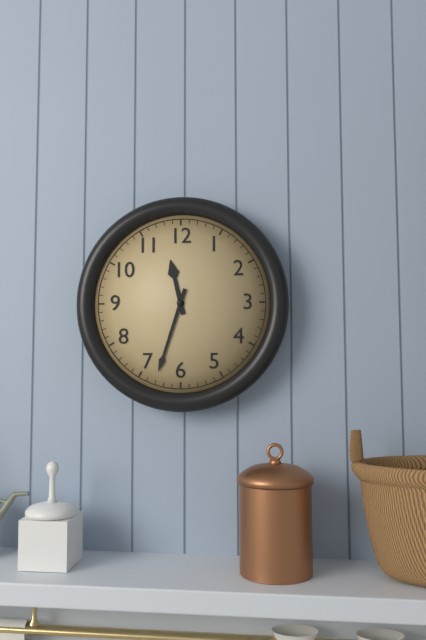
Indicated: 11,33
